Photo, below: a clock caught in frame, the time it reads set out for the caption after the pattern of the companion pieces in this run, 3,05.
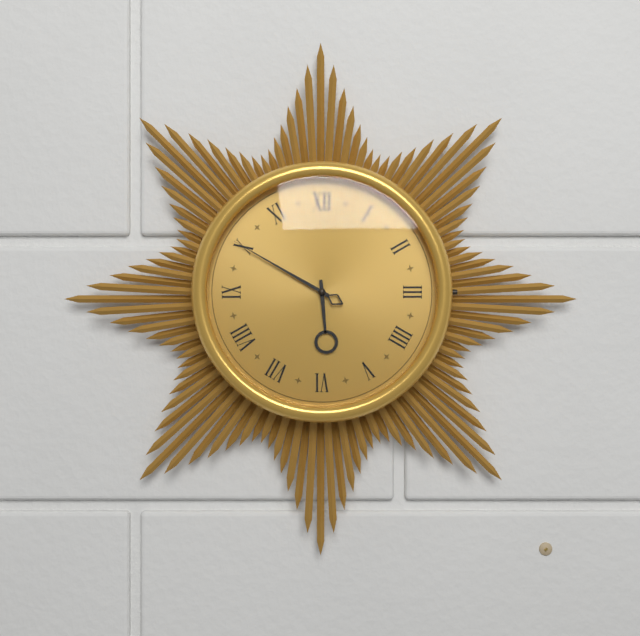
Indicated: 5,50
